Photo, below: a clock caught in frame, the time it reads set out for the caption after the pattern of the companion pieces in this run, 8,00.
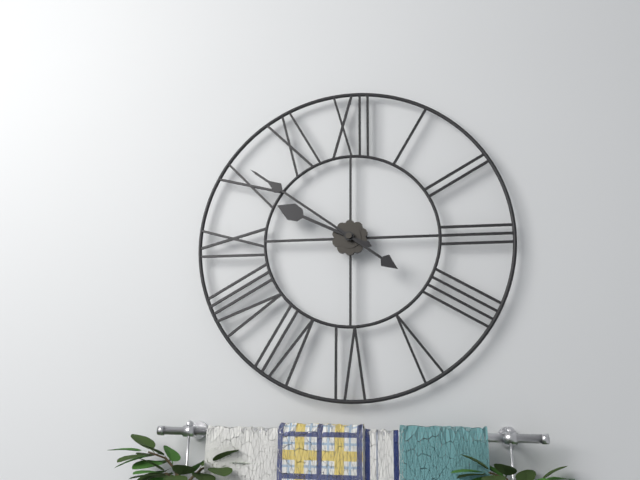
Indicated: 9,51
